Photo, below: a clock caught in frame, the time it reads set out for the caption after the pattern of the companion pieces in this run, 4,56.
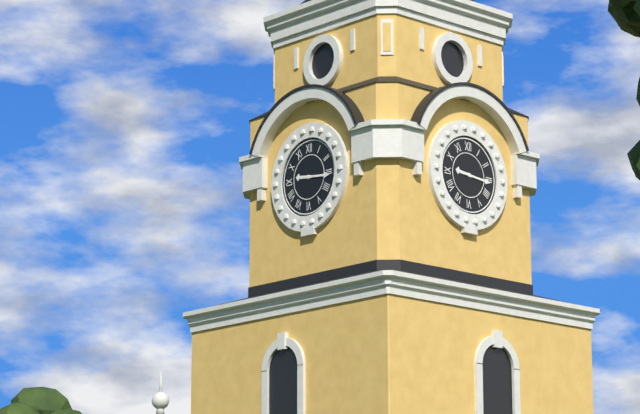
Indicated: 9,16
